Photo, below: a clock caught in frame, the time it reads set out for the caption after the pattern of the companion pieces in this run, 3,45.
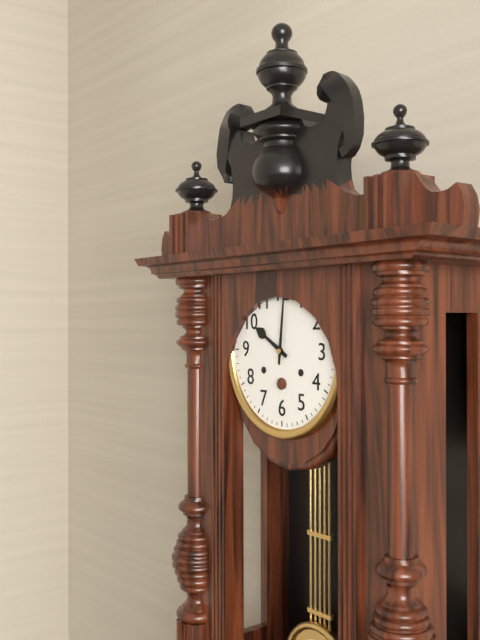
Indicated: 10,01
